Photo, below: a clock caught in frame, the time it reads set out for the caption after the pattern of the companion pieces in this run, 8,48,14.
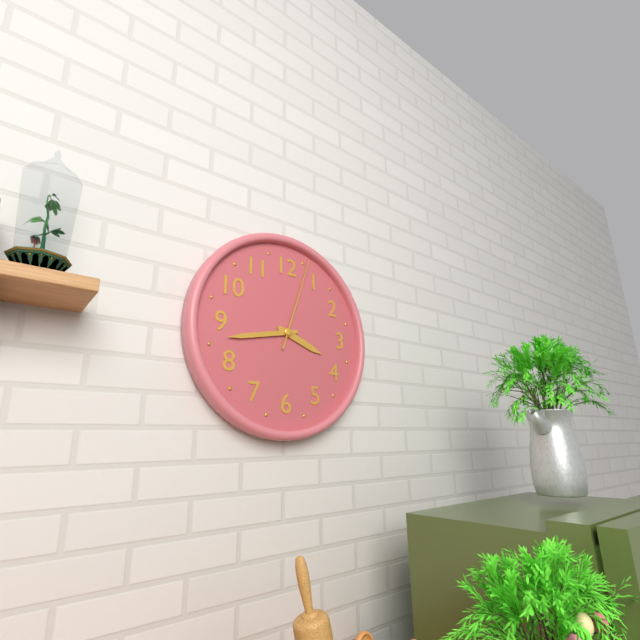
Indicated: 3,43,03
